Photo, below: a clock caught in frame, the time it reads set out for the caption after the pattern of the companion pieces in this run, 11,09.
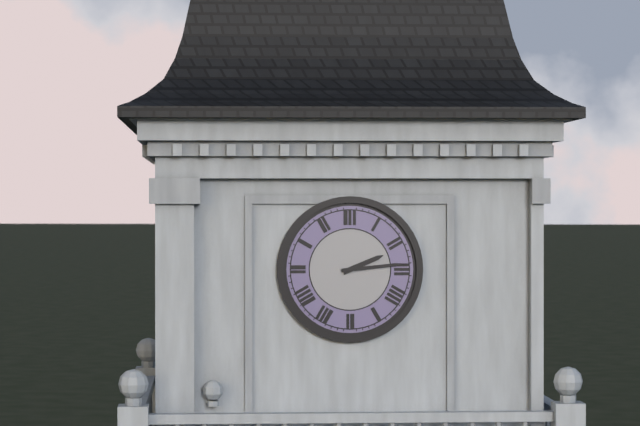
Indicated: 2,14
